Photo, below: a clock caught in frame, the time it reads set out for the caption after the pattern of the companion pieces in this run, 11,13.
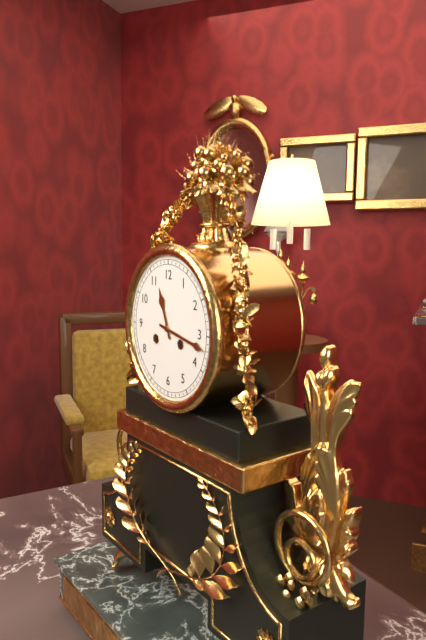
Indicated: 11,17
